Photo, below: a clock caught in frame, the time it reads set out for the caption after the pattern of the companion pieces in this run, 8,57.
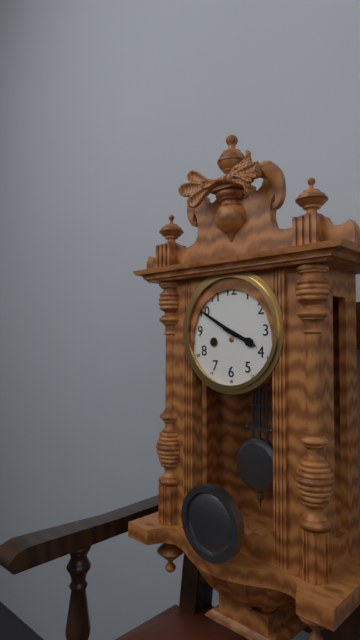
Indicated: 3,50
